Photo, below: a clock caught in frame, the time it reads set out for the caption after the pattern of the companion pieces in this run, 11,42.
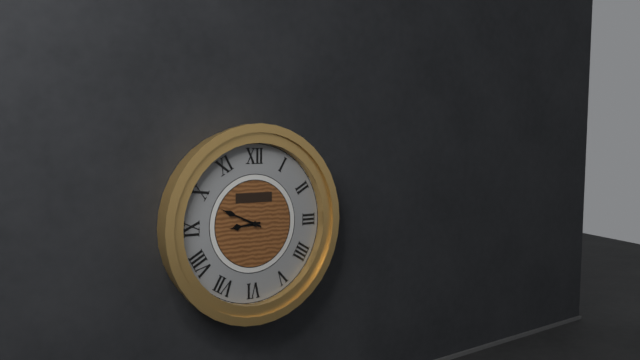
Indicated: 8,49
